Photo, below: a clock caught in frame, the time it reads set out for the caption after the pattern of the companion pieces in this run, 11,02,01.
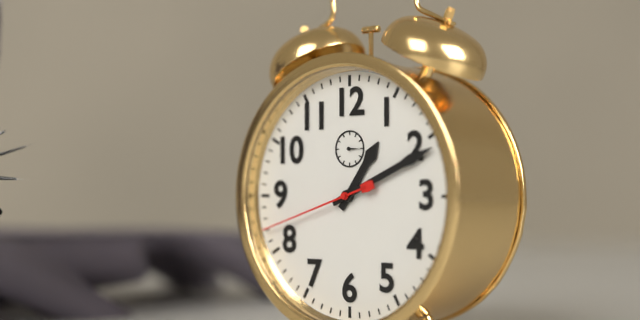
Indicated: 1,11,42
